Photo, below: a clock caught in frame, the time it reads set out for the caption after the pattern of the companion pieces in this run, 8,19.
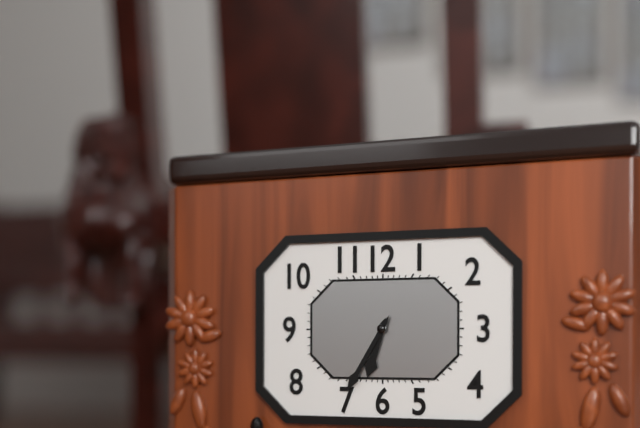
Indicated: 6,35
